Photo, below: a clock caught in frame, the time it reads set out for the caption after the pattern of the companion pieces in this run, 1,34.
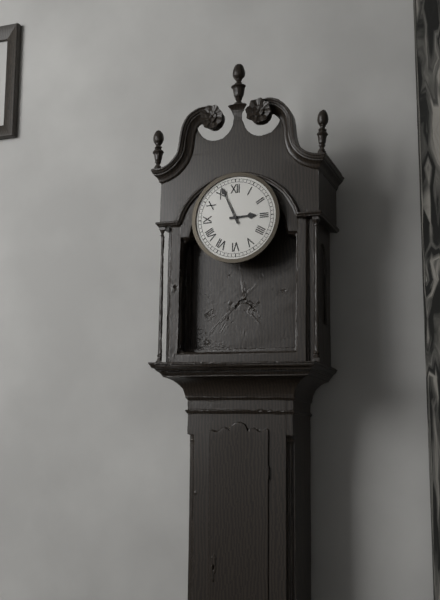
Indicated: 2,56
